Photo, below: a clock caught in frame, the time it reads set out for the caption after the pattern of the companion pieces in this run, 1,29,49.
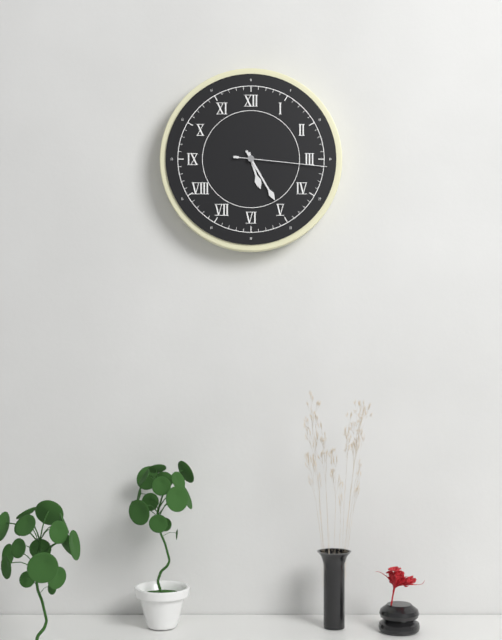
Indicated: 5,25,16
